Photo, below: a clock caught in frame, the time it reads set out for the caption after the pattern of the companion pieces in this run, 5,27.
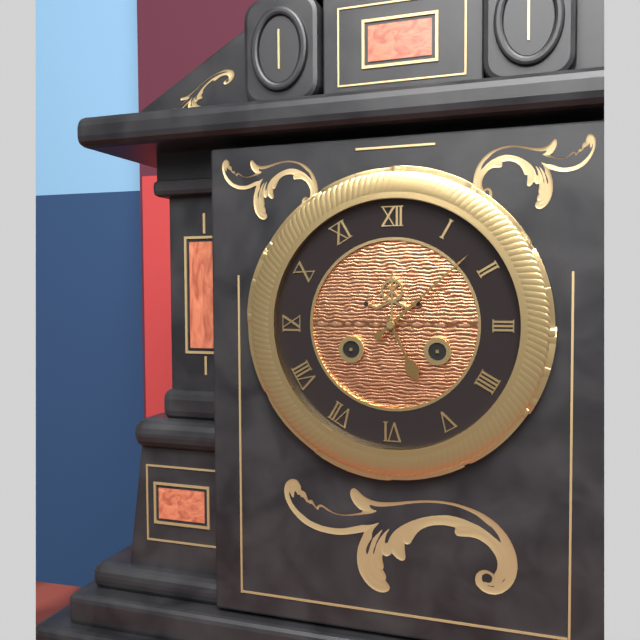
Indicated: 5,08
